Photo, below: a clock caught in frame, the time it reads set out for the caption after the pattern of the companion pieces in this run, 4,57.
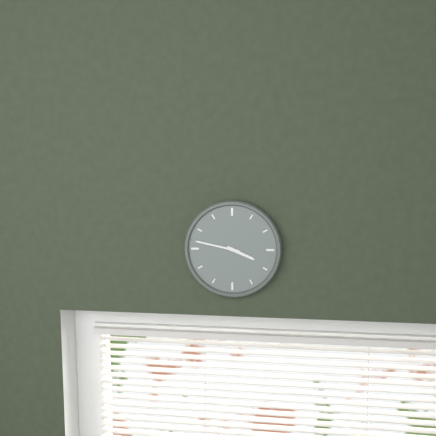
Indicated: 3,47
